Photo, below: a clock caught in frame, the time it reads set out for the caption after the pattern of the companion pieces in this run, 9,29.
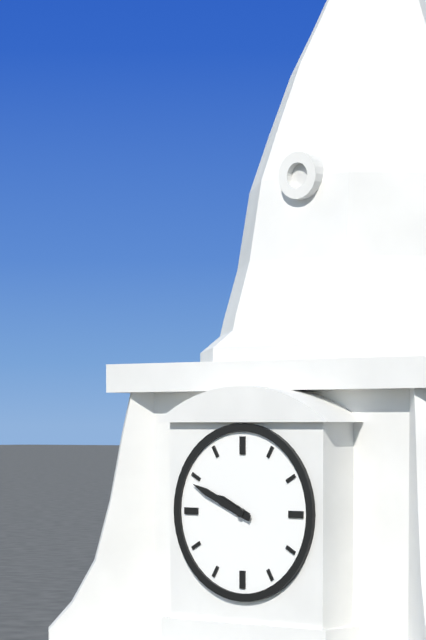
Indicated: 9,49
